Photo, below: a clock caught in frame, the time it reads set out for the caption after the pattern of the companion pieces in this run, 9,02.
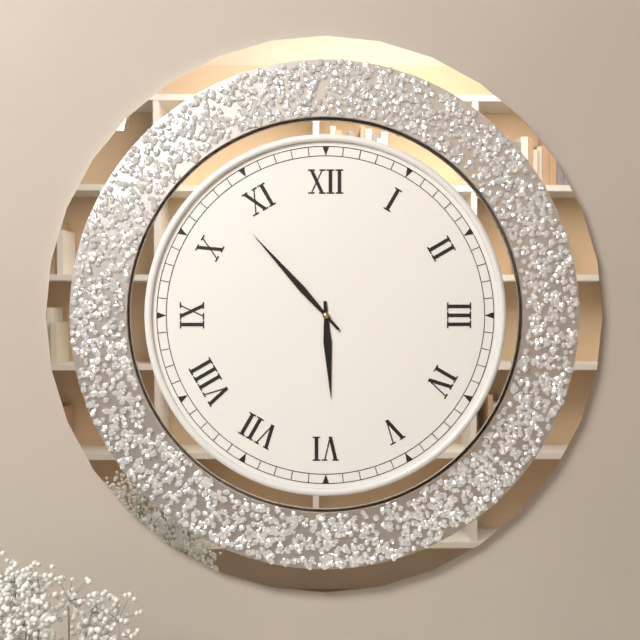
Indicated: 5,53
